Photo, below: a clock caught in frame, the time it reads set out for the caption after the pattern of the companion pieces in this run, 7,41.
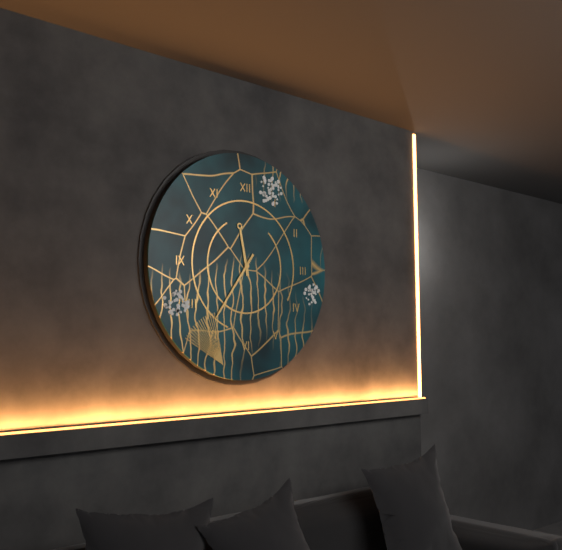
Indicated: 11,36
